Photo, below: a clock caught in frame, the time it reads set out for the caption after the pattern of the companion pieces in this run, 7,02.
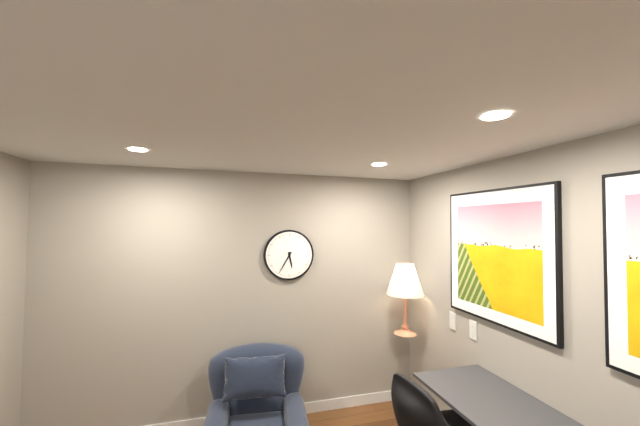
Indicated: 5,35
